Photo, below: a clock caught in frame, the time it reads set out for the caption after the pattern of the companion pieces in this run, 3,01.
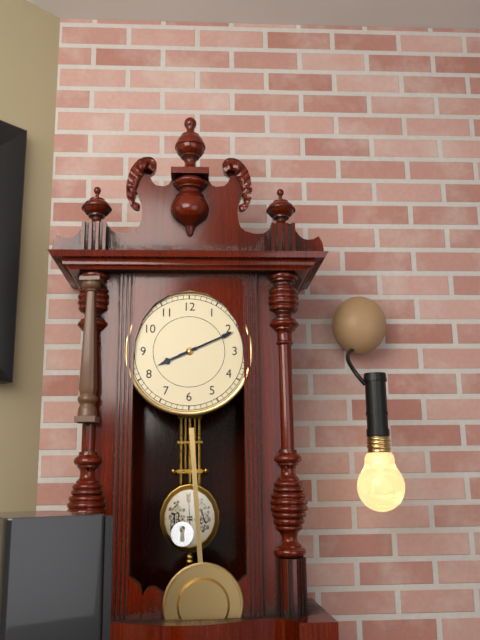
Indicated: 8,11
